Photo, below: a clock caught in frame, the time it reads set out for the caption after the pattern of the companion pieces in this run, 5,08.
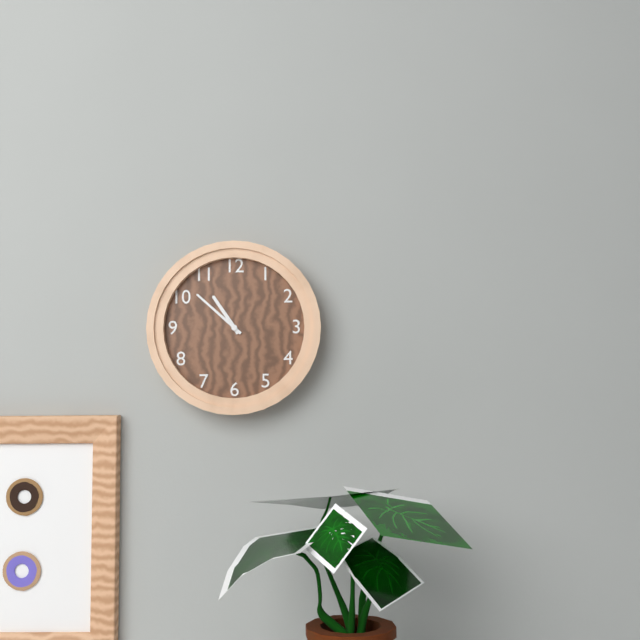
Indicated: 10,52
